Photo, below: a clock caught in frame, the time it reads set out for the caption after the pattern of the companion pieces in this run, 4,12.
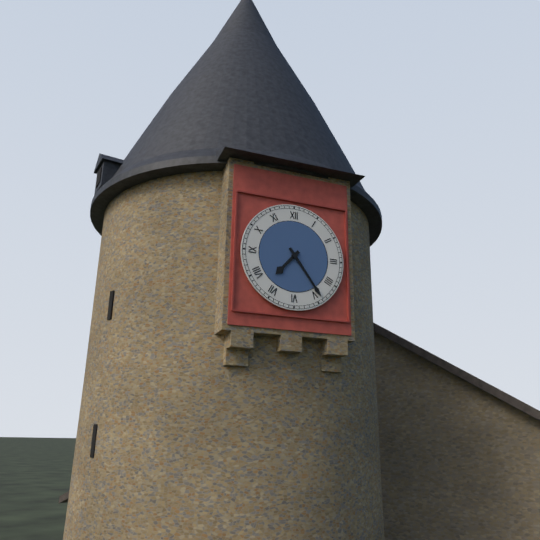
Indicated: 7,24
